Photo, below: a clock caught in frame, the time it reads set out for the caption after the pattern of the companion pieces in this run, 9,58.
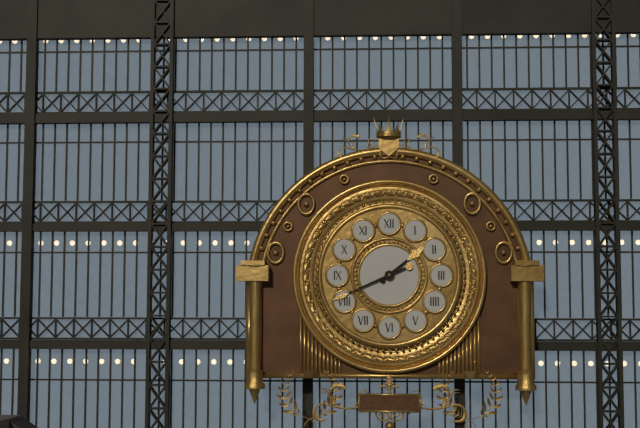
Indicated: 1,41
